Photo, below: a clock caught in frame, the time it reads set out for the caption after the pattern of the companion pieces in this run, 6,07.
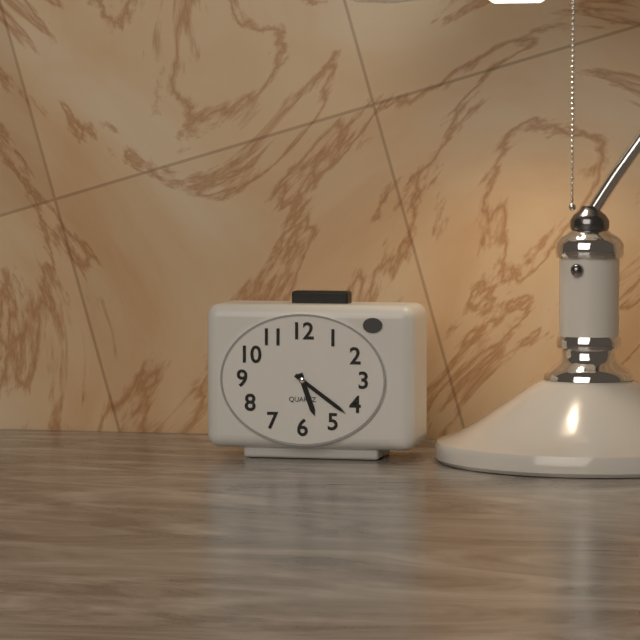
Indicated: 5,21
